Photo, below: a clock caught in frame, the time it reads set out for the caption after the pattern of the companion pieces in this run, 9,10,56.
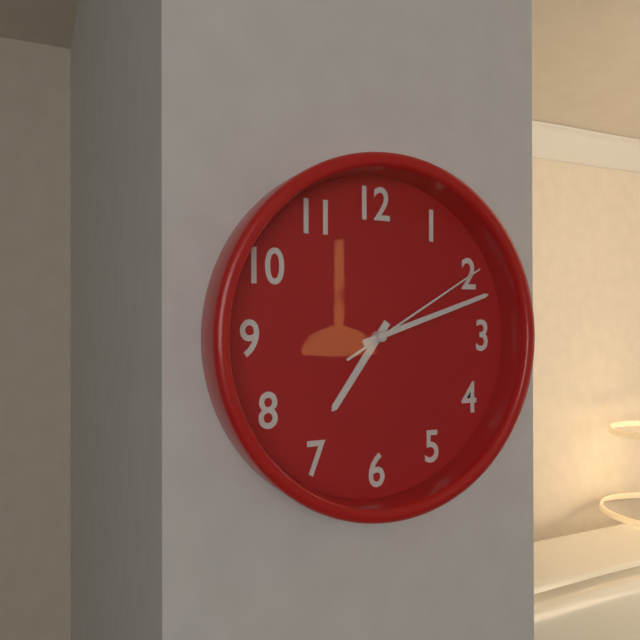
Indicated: 7,12,10
